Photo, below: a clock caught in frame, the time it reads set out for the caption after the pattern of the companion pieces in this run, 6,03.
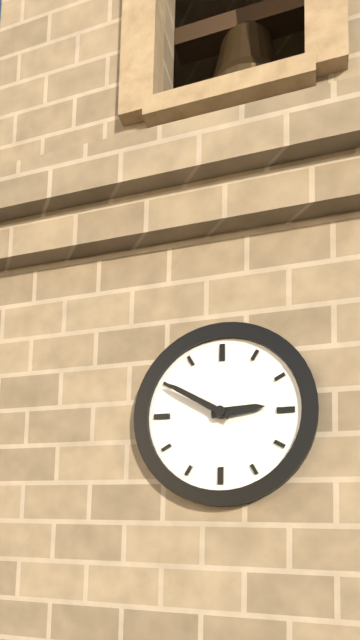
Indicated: 2,50
